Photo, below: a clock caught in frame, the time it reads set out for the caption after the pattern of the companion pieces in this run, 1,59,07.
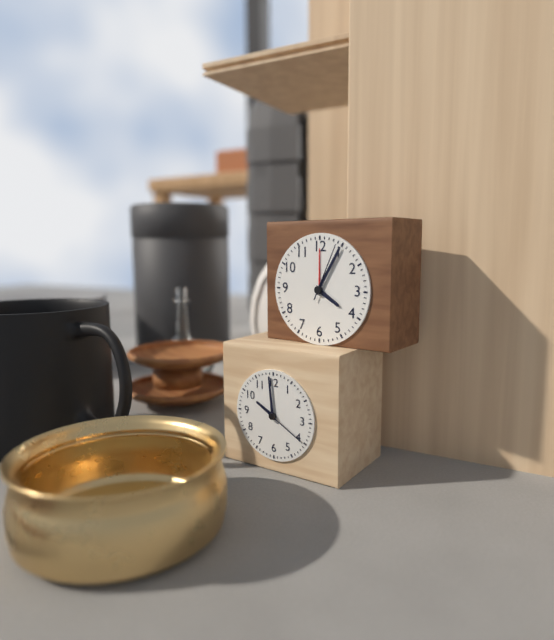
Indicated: 4,05,04
